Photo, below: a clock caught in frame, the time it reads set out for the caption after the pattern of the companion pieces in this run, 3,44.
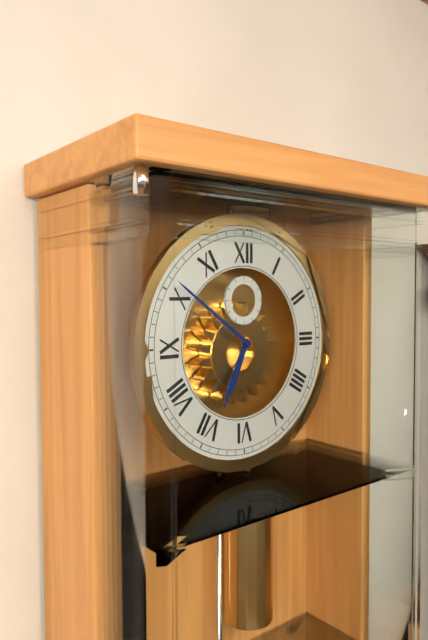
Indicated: 6,51
